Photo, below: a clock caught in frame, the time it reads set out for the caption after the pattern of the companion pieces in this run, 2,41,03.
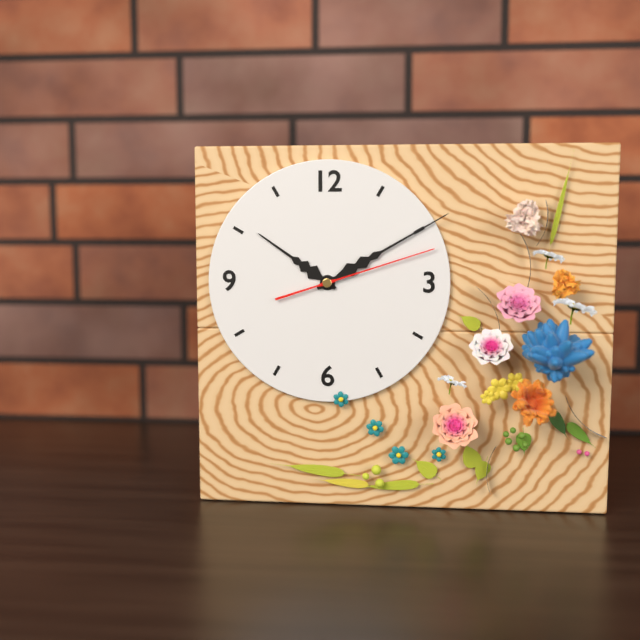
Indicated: 10,10,12
